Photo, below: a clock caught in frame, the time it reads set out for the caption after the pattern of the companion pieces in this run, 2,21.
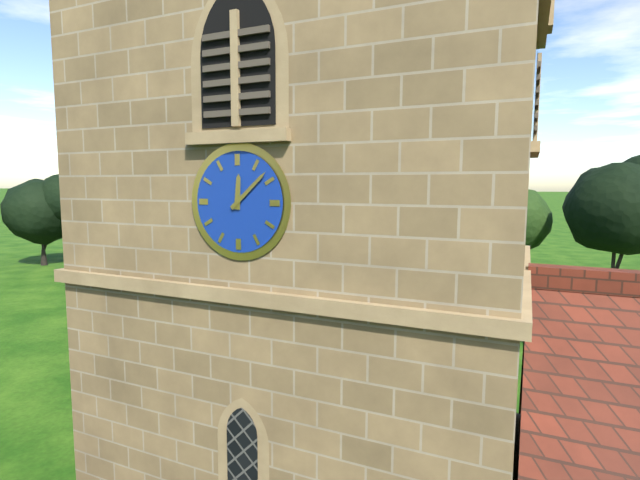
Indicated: 12,08
